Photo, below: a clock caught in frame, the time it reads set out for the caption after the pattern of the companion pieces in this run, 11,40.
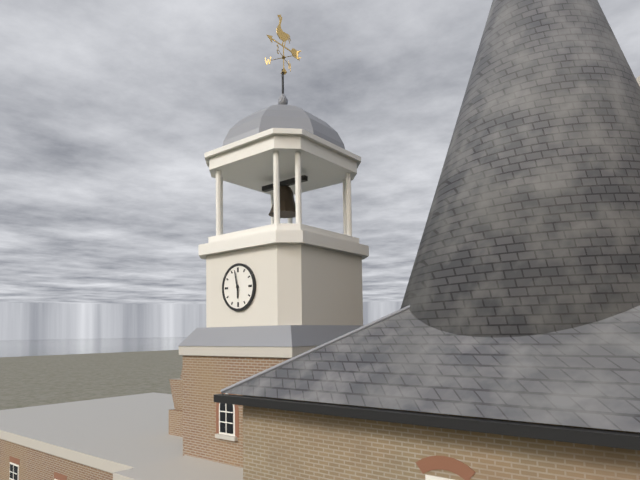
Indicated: 5,58
